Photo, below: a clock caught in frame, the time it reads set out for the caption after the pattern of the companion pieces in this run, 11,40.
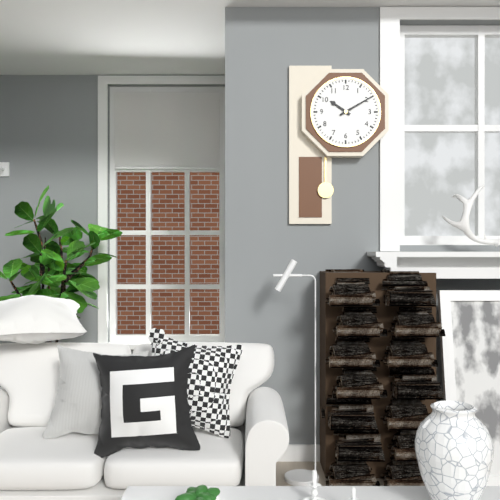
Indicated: 10,10
